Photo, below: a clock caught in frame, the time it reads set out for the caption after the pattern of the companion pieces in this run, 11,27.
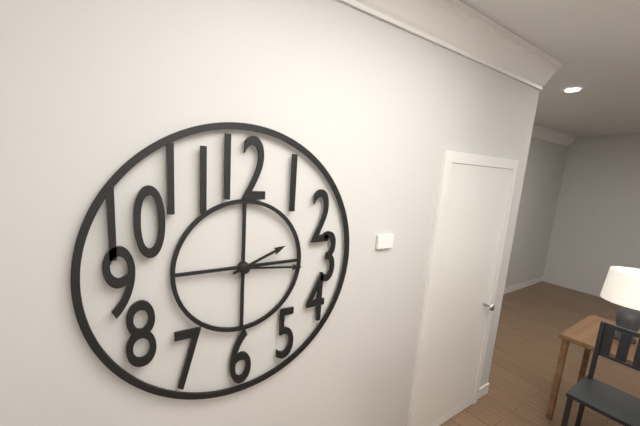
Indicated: 2,16
